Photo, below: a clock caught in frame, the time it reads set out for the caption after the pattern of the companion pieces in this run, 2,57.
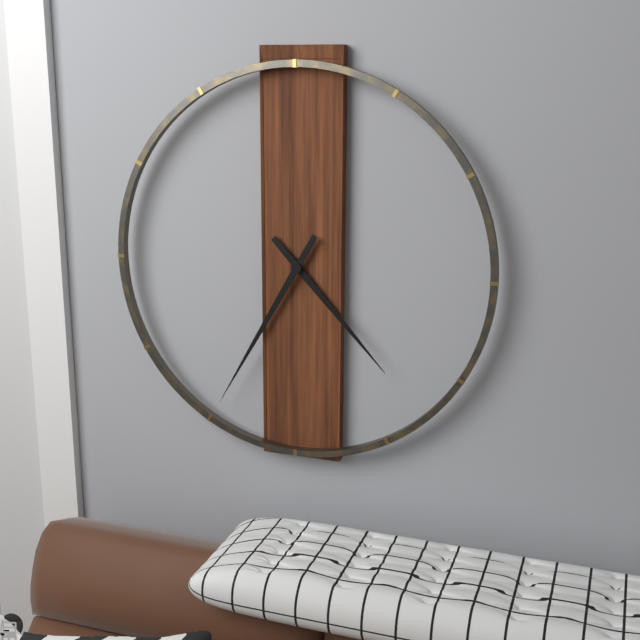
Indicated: 4,35
